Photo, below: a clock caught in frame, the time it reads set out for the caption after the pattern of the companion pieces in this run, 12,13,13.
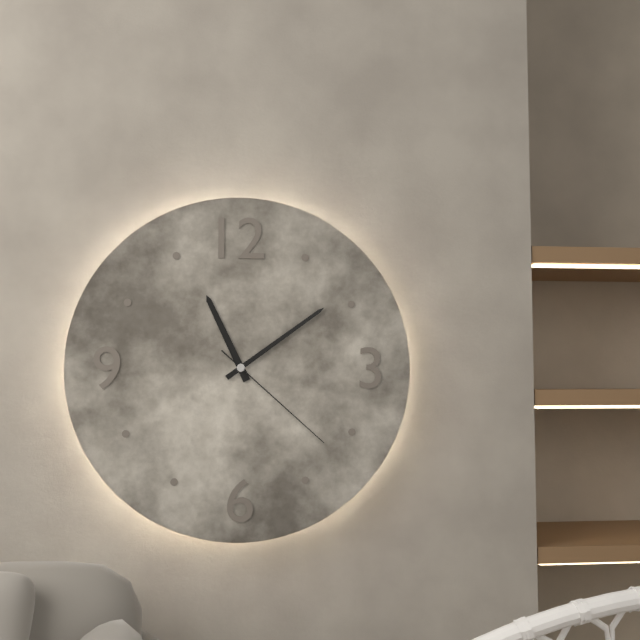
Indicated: 11,09,22
